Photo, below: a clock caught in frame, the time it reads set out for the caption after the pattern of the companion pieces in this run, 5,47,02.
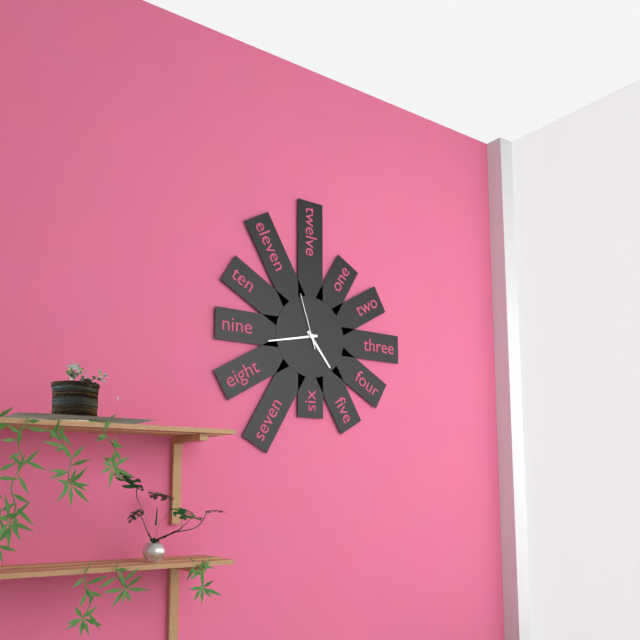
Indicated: 4,43,57
